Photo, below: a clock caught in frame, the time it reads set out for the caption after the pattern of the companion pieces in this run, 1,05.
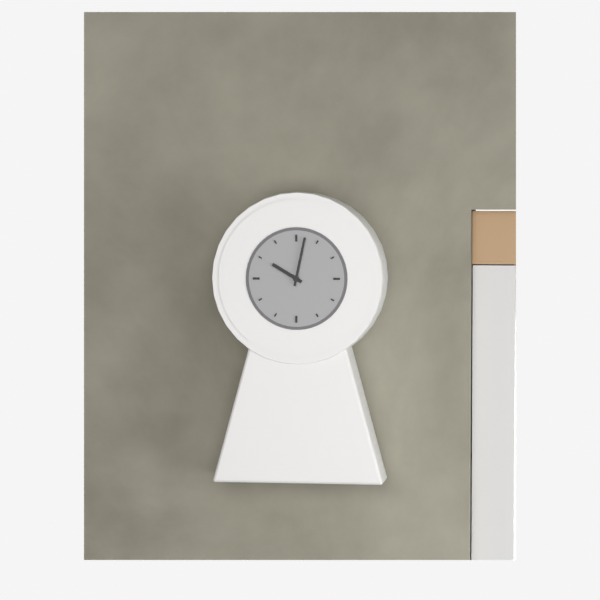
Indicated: 10,02
